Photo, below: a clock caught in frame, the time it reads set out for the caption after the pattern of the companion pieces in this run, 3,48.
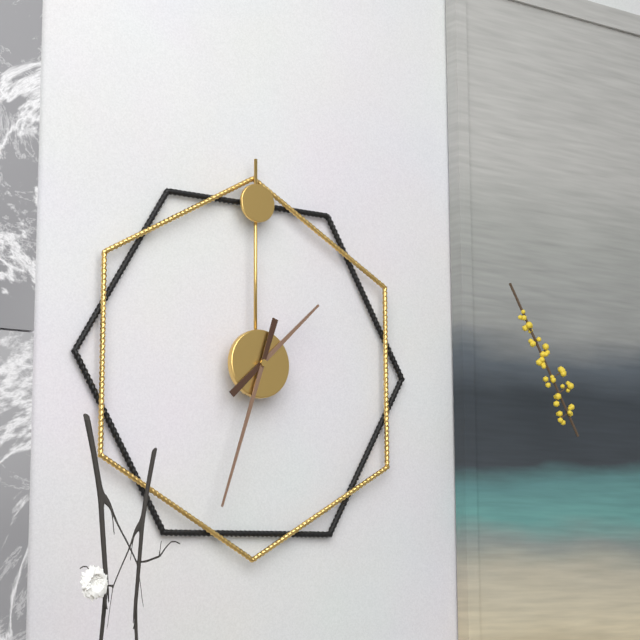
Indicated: 1,33
